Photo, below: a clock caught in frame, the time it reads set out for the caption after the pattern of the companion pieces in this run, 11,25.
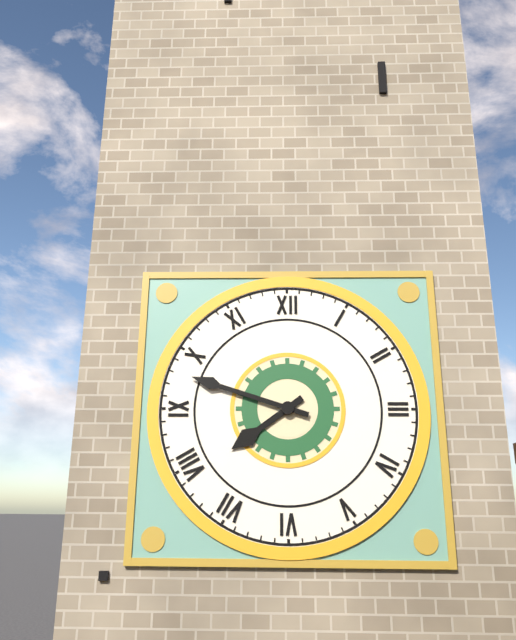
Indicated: 7,48
